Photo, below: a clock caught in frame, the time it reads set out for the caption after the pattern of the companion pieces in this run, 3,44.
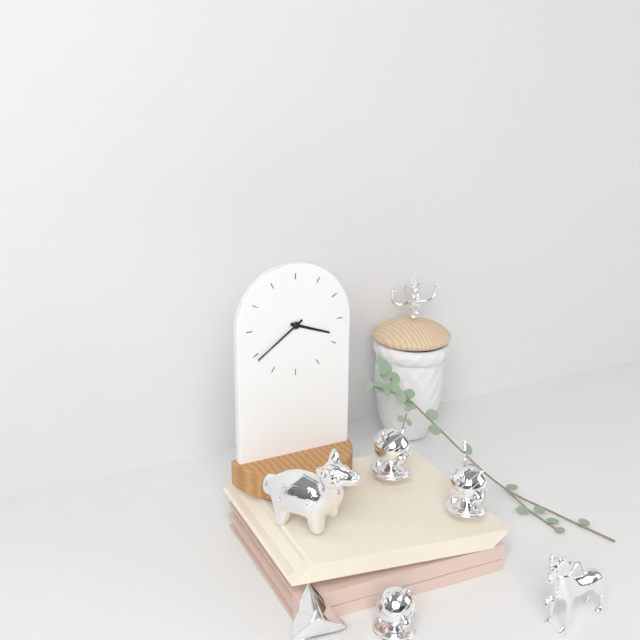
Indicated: 3,39
